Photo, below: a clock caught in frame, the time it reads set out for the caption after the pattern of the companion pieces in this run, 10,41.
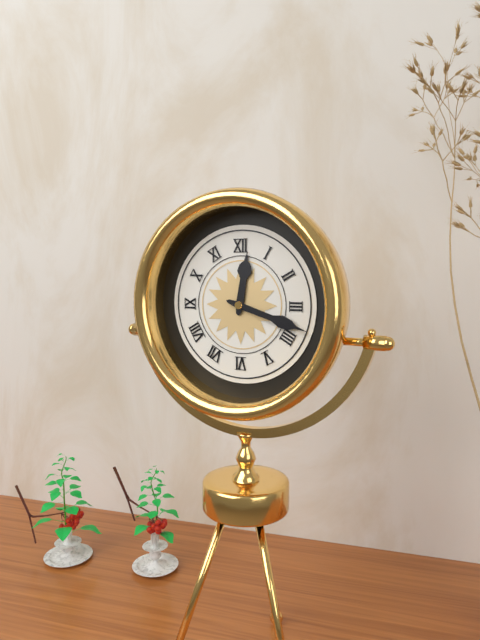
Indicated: 12,18
